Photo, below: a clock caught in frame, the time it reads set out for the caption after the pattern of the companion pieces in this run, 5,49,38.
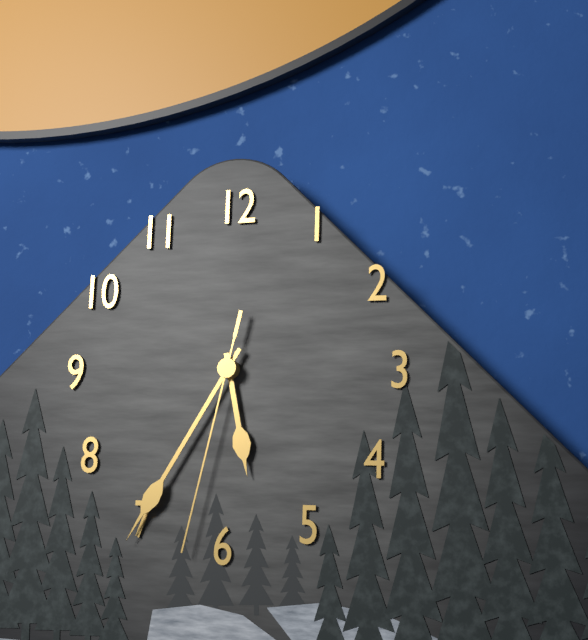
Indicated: 5,35,32
